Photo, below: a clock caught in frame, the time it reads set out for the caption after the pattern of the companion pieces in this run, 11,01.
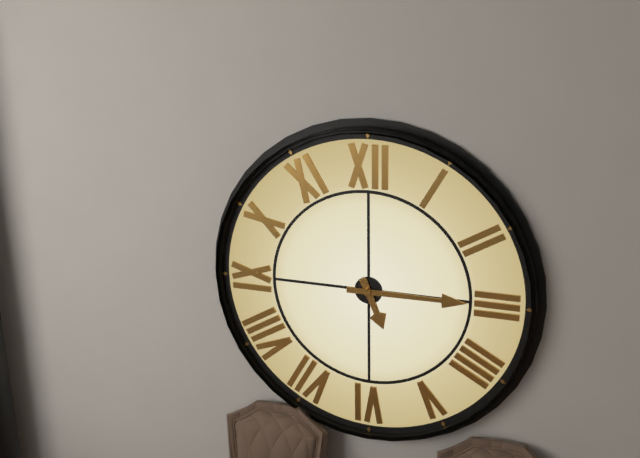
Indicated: 5,15
